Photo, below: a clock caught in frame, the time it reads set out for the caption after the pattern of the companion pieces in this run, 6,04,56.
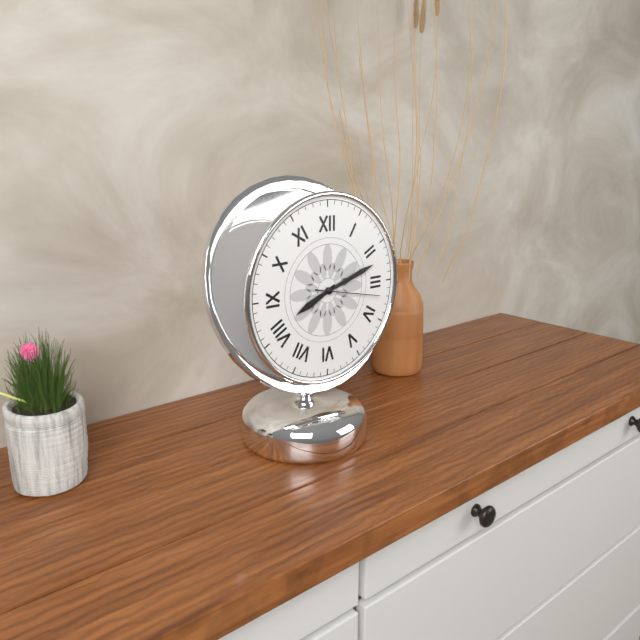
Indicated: 8,12,17
